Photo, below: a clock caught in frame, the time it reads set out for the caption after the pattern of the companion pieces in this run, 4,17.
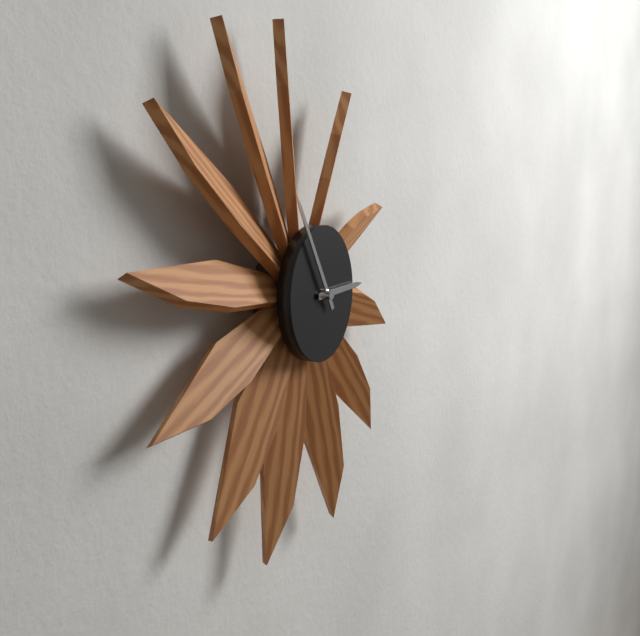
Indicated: 2,55
